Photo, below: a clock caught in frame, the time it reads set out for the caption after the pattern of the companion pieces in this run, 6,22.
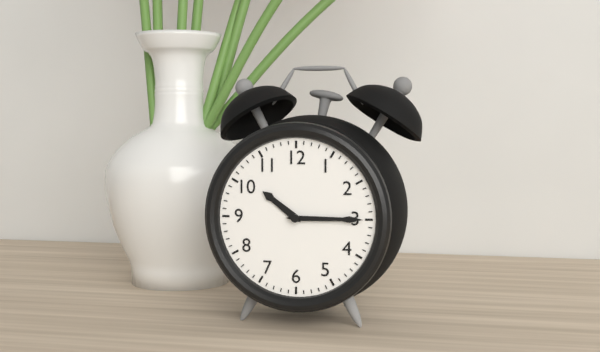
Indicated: 10,15
